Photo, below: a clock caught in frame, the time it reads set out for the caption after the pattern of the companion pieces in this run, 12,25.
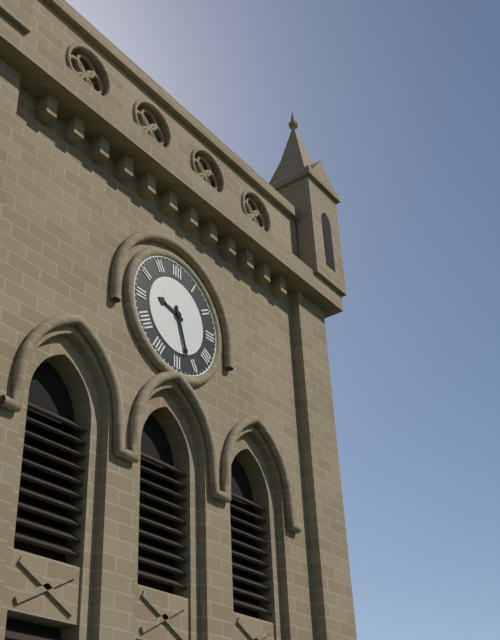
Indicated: 9,27
